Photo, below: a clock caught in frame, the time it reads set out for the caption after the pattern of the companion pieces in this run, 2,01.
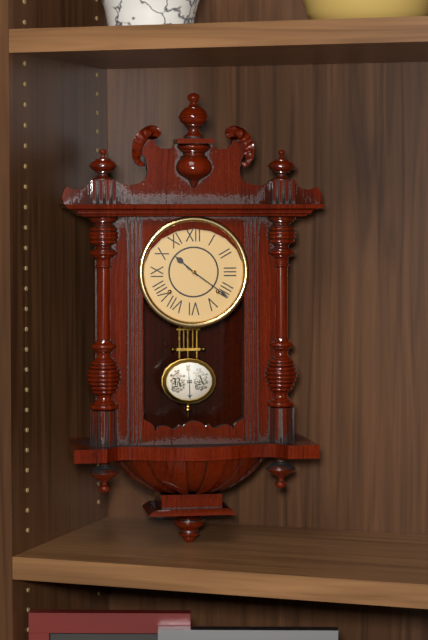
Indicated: 10,21
